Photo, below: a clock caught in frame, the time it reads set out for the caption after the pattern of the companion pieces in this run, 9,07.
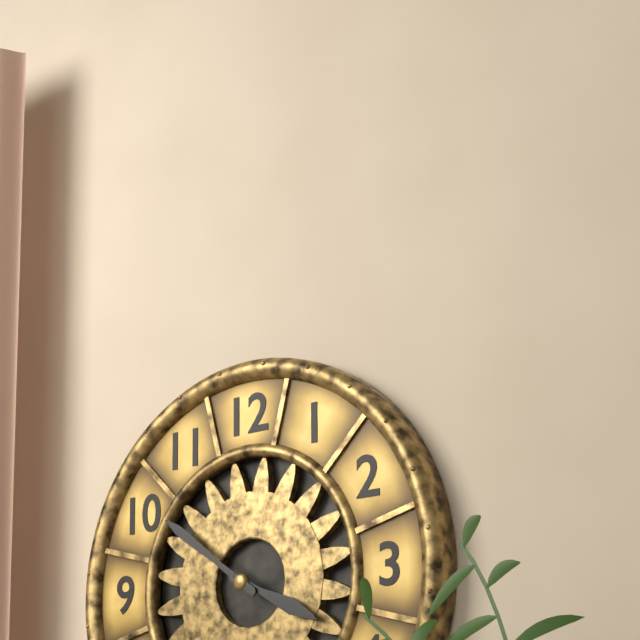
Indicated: 3,51
